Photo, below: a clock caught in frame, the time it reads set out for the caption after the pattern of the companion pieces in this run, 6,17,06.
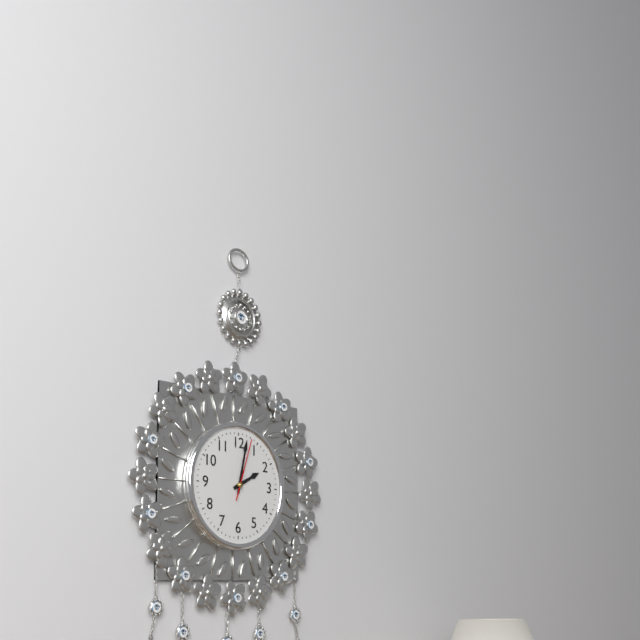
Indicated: 2,02,03
